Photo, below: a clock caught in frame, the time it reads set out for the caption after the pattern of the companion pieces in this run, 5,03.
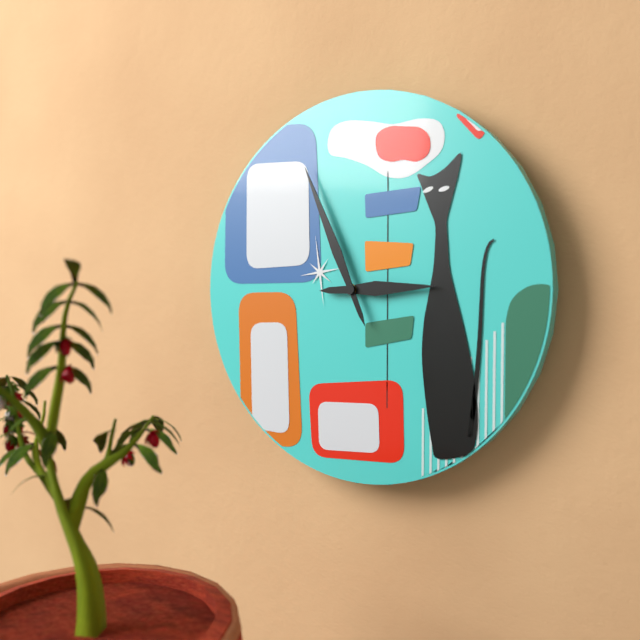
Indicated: 2,56
